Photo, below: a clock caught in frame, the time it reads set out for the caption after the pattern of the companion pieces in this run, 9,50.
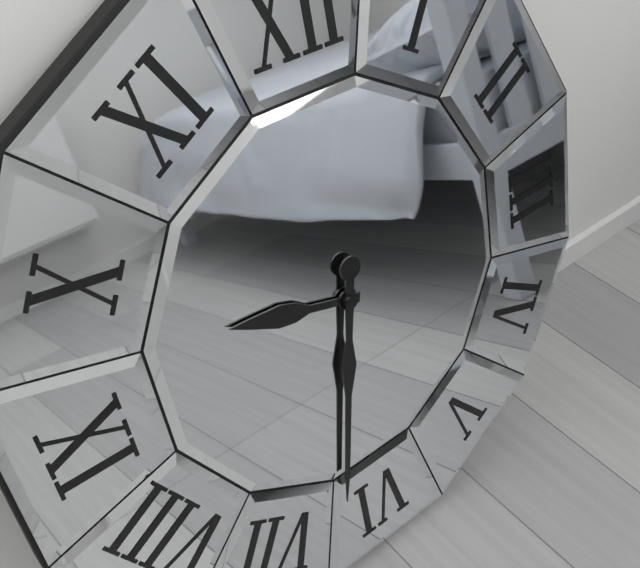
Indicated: 9,32
